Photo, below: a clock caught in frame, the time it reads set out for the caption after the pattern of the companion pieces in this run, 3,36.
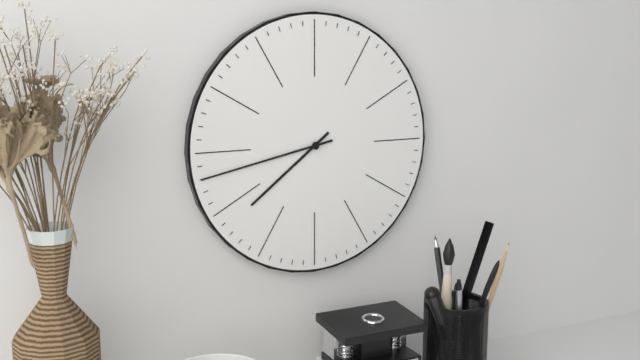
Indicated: 7,43
